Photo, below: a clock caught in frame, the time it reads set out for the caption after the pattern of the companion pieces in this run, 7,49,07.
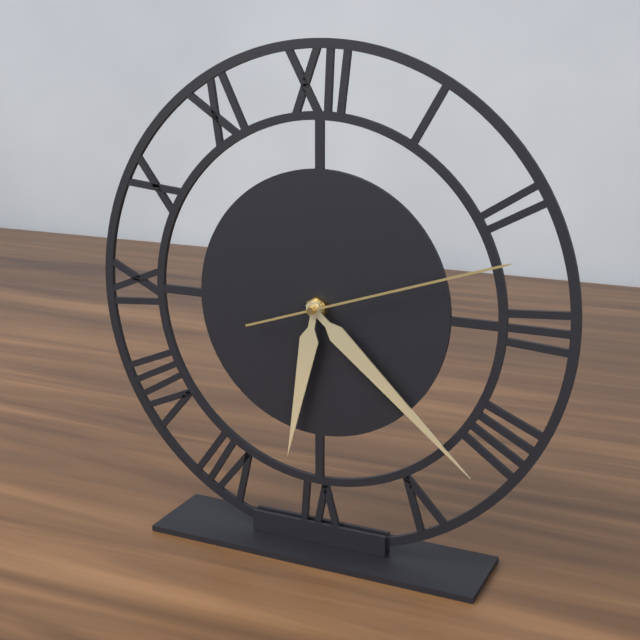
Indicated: 6,22,12
